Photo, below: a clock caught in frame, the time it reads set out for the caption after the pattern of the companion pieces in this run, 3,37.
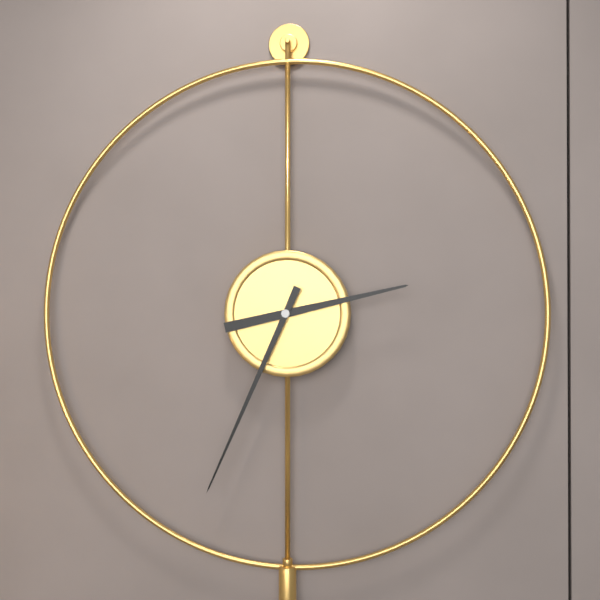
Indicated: 2,34
